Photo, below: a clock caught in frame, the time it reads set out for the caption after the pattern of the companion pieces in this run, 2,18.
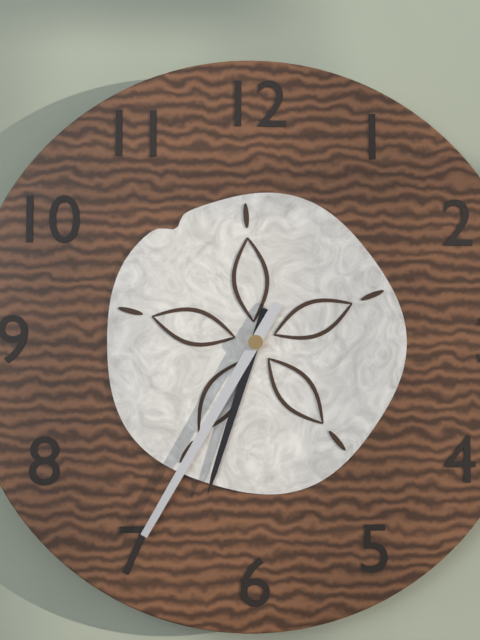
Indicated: 6,35
